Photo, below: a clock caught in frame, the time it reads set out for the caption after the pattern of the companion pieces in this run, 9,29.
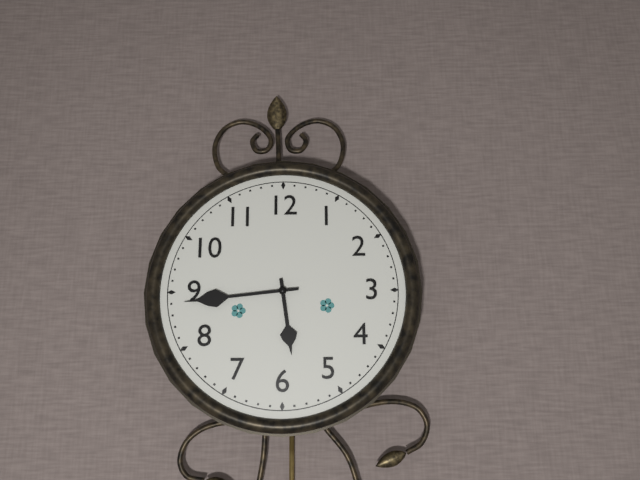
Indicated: 5,44
